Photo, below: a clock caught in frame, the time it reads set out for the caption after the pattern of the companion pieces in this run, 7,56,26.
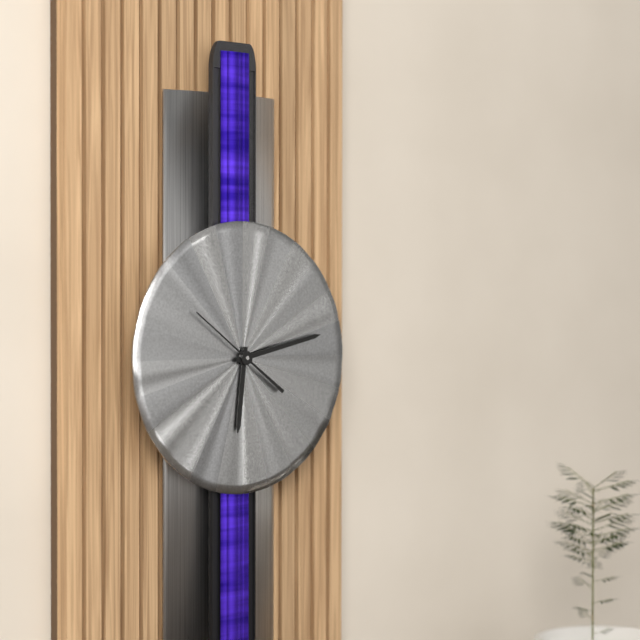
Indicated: 6,13,51
